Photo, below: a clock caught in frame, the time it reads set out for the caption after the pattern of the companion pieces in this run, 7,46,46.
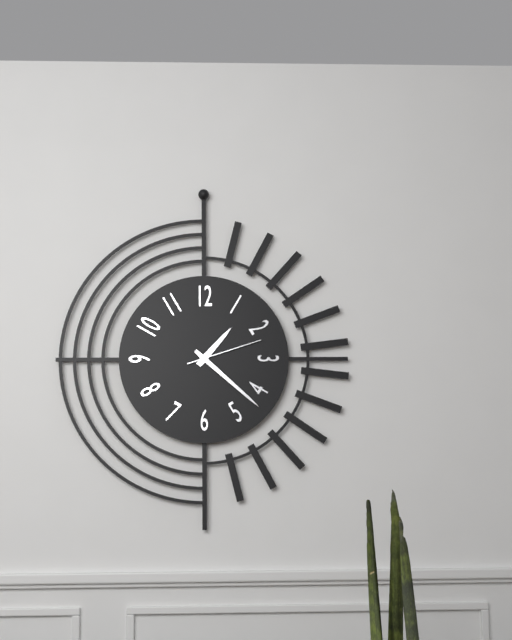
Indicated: 1,22,12
